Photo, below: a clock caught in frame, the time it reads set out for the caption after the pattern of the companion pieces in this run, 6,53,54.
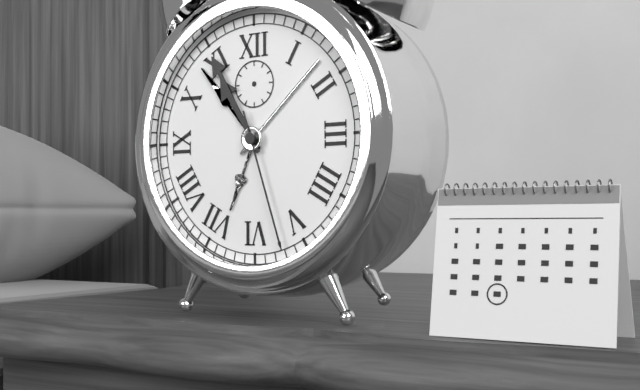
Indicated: 10,55,27
